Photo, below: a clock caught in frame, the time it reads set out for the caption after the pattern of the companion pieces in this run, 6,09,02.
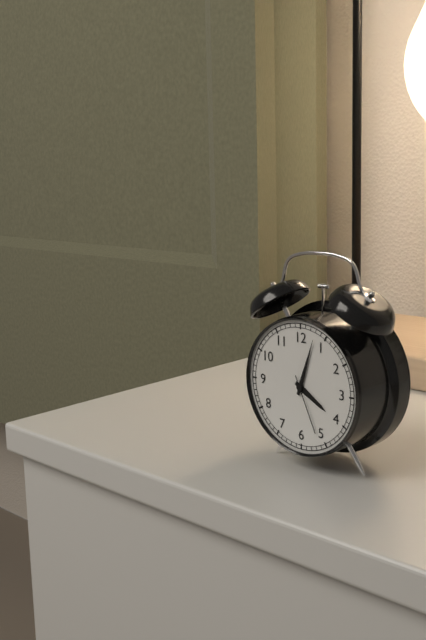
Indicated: 4,03,26
